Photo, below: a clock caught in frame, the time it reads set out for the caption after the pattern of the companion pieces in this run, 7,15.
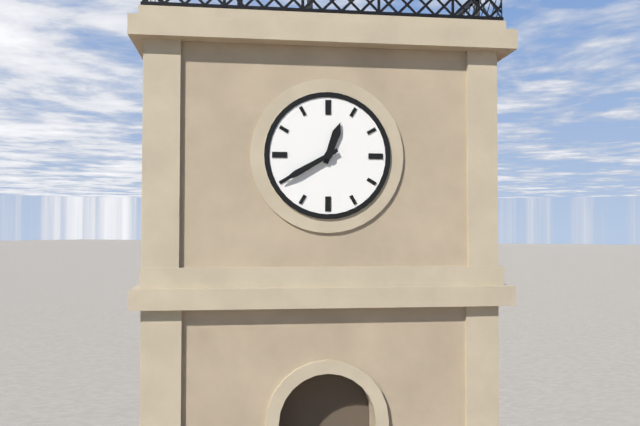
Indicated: 12,40
